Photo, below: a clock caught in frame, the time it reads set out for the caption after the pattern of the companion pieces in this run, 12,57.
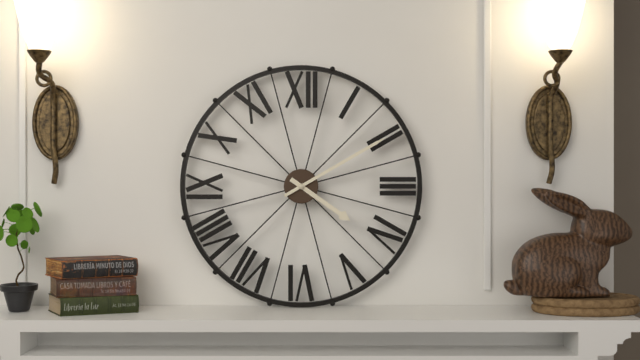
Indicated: 4,10
